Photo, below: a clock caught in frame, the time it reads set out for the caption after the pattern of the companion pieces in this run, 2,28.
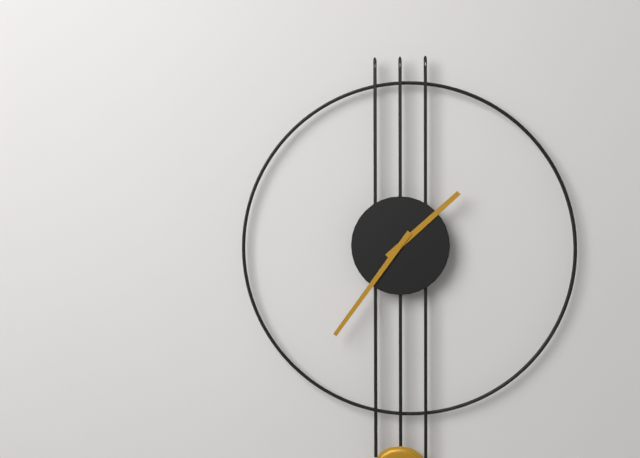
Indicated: 1,36
